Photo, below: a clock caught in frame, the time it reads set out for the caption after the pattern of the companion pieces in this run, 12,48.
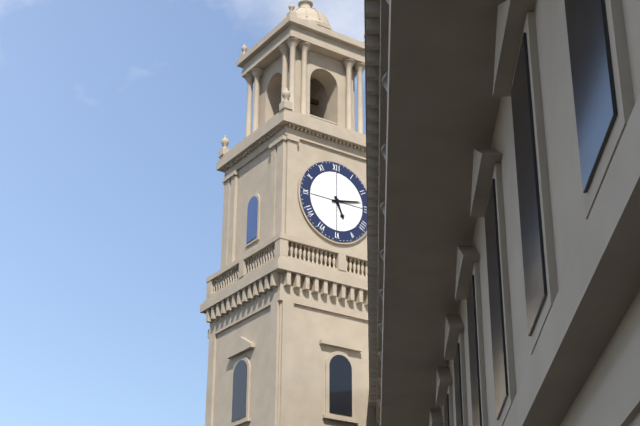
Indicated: 5,13
